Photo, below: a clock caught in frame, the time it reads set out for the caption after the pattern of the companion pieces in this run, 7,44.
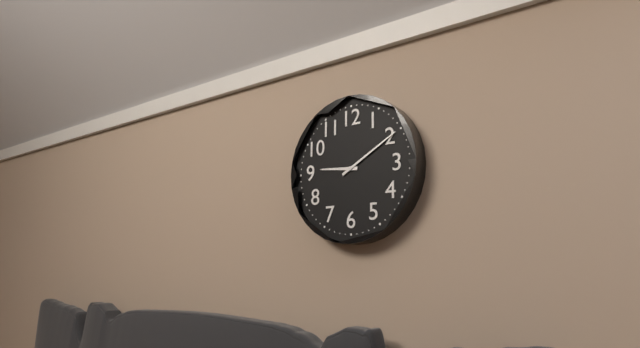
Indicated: 9,10
